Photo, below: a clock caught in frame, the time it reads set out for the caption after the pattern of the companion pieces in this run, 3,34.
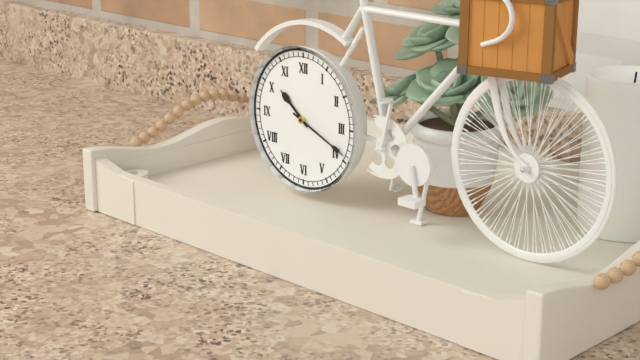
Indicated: 10,19
